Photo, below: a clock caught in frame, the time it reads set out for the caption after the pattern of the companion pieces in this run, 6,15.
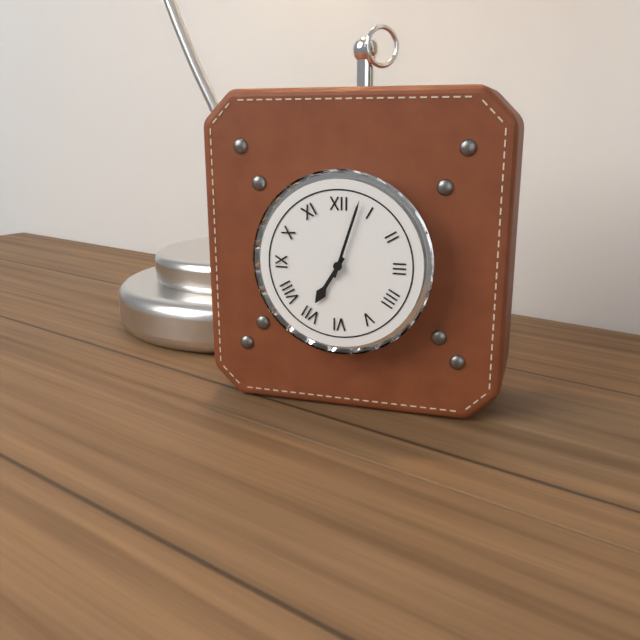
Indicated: 7,03
